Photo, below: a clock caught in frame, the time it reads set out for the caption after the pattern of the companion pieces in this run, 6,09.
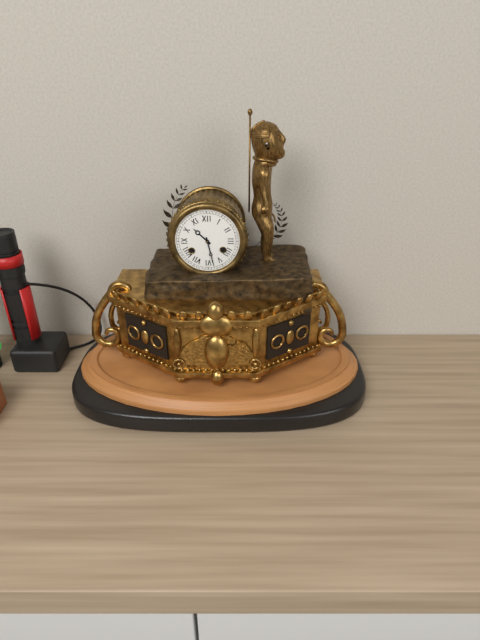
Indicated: 10,28
